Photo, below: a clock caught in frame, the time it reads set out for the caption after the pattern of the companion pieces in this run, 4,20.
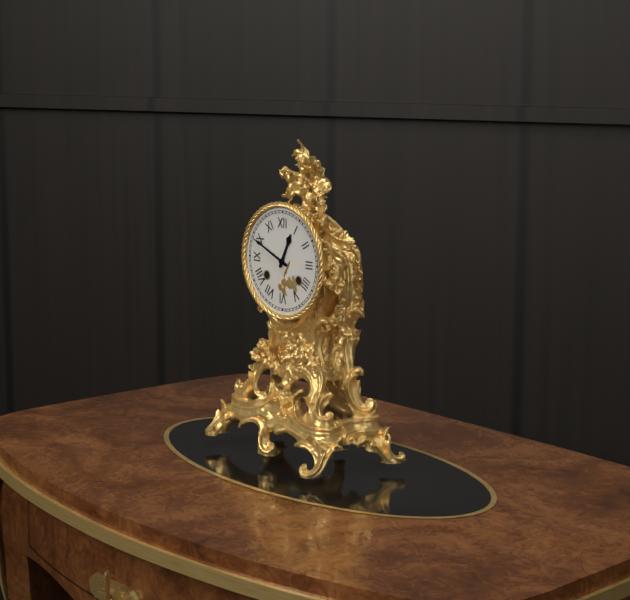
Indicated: 12,49
